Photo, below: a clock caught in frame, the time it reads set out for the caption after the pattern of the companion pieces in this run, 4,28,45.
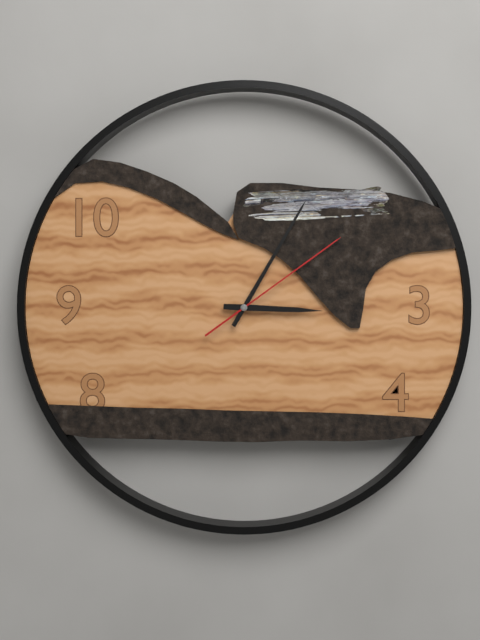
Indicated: 3,05,09
